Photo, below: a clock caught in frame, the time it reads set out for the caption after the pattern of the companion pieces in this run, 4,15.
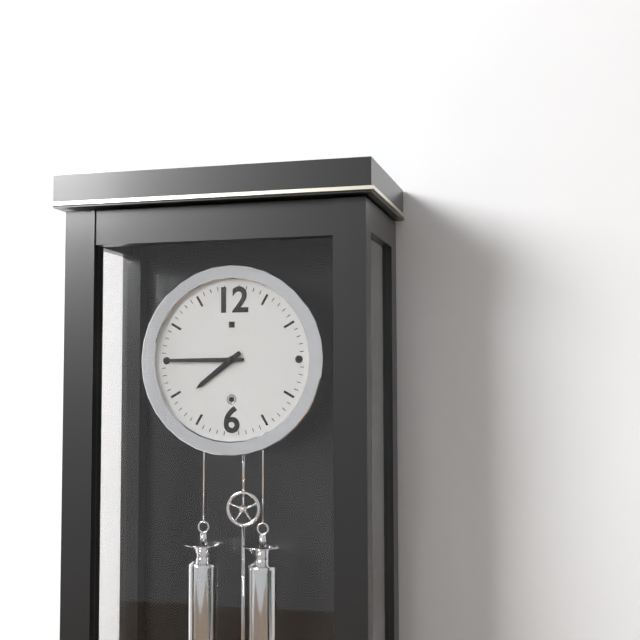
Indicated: 7,45
